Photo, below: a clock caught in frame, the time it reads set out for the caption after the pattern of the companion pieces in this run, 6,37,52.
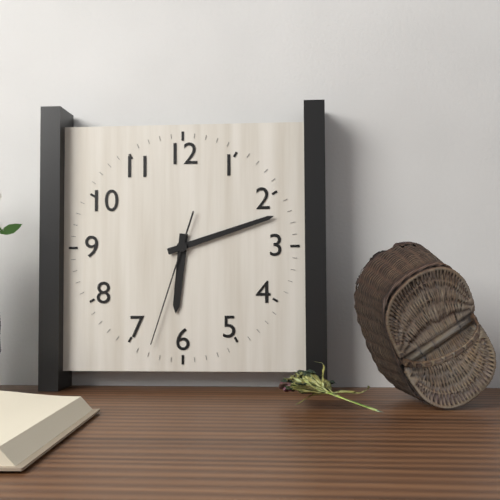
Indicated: 6,12,33
